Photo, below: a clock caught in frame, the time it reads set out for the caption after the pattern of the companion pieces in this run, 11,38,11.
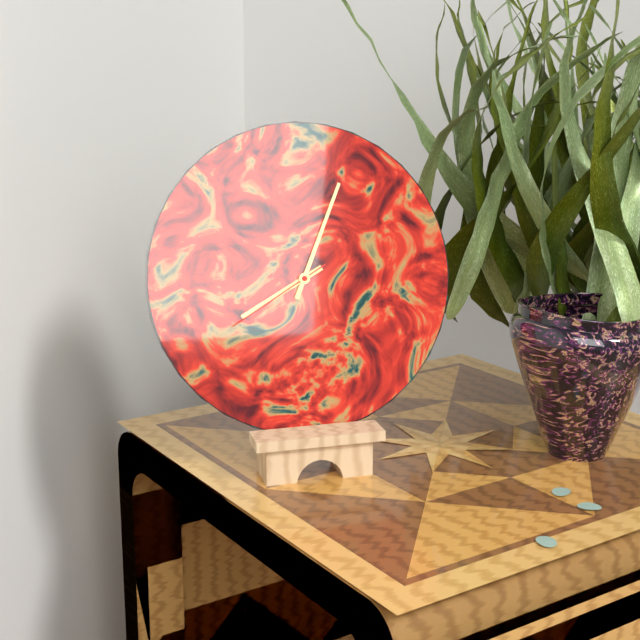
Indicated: 8,04,40
